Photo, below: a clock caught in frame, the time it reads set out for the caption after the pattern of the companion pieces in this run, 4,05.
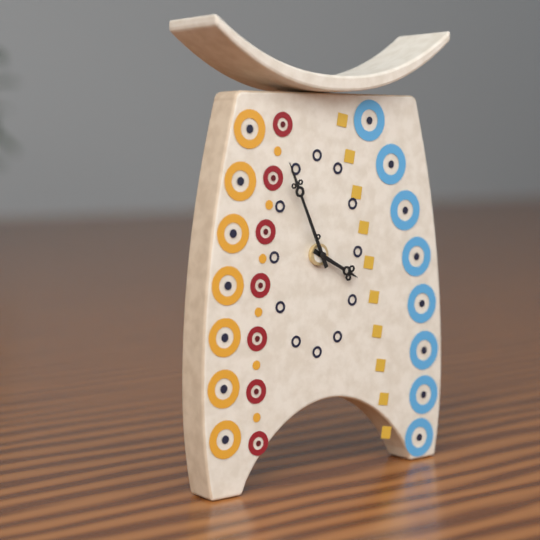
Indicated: 3,56
